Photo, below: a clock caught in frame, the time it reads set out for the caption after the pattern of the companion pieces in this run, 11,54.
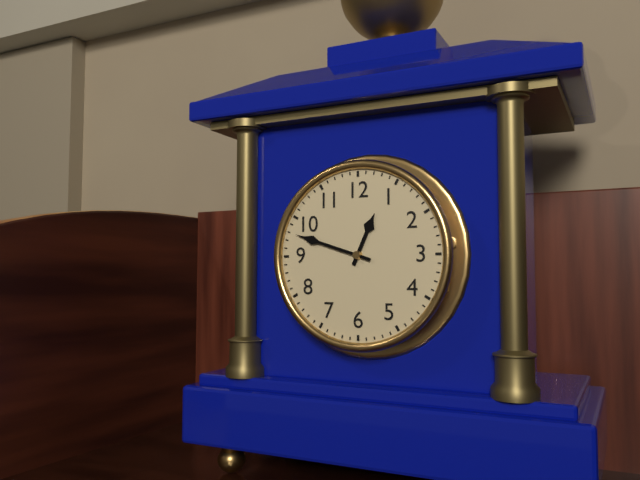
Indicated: 12,48
